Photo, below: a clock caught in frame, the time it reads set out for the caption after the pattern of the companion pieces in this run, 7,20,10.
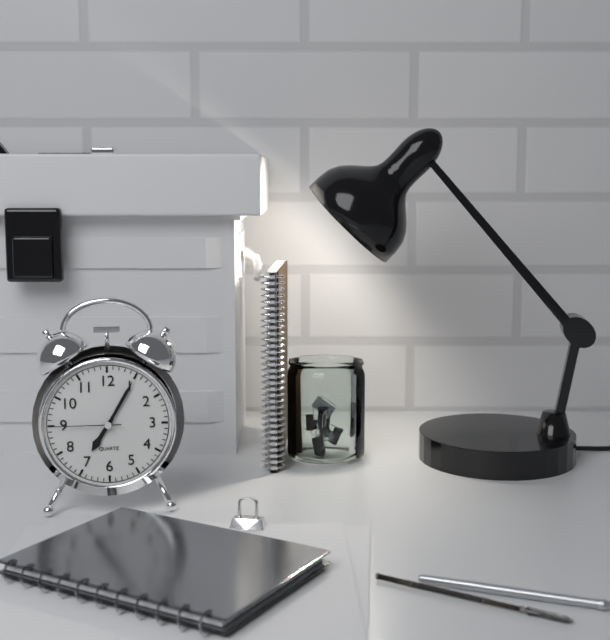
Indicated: 7,05,45
